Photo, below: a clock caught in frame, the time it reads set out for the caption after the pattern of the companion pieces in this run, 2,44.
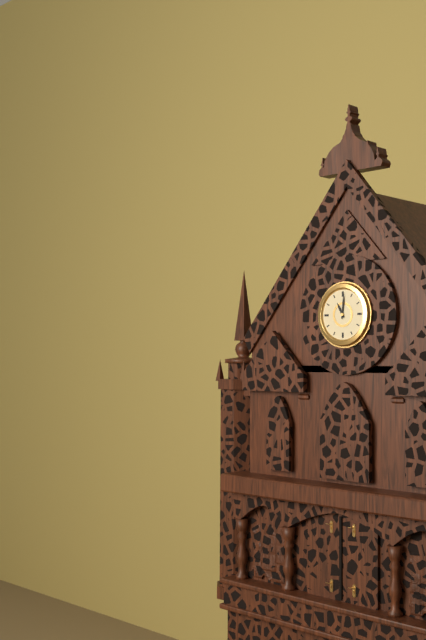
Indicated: 11,01
